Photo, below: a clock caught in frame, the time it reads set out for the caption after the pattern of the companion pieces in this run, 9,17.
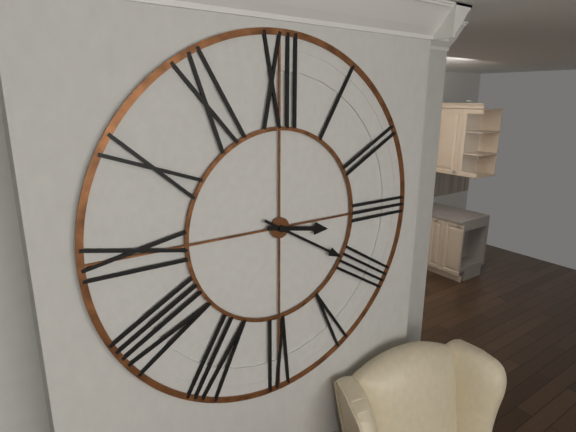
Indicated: 3,20
